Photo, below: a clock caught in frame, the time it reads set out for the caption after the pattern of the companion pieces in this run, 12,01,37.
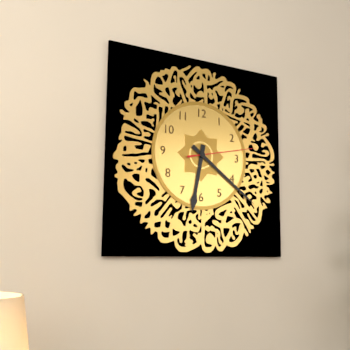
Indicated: 6,21,13
